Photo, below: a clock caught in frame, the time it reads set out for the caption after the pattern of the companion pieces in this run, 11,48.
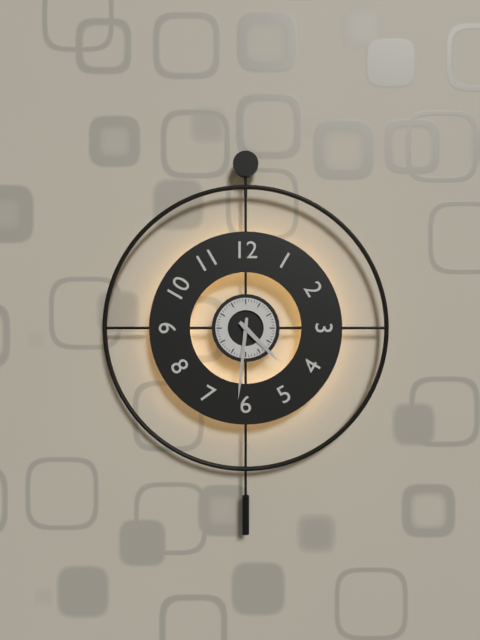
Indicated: 4,31
